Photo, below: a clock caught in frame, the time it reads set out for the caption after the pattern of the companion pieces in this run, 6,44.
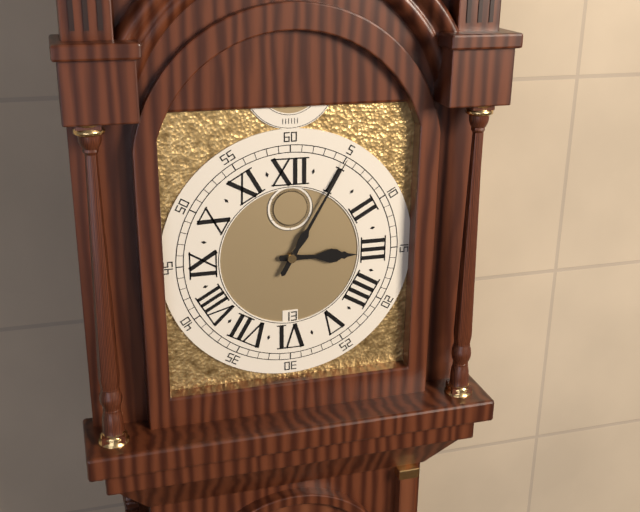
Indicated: 3,05
